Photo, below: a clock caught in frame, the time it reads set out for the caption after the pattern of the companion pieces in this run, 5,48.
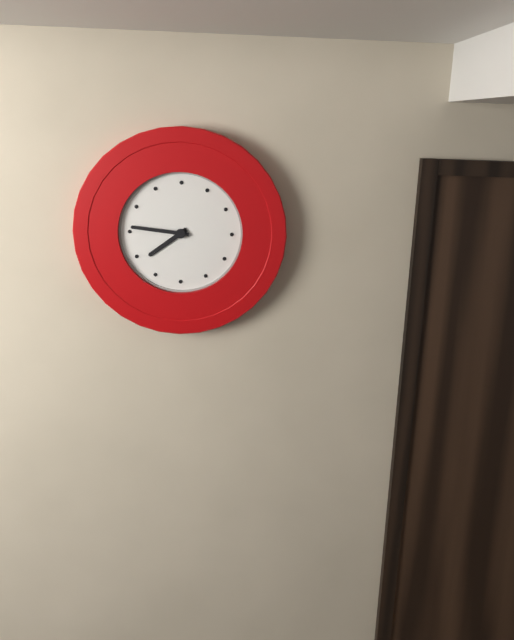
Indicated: 7,46
